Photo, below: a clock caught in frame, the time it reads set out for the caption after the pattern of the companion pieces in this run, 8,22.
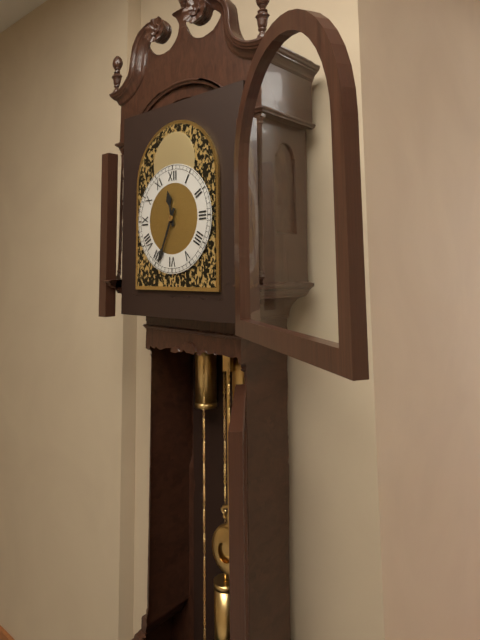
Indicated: 11,34
